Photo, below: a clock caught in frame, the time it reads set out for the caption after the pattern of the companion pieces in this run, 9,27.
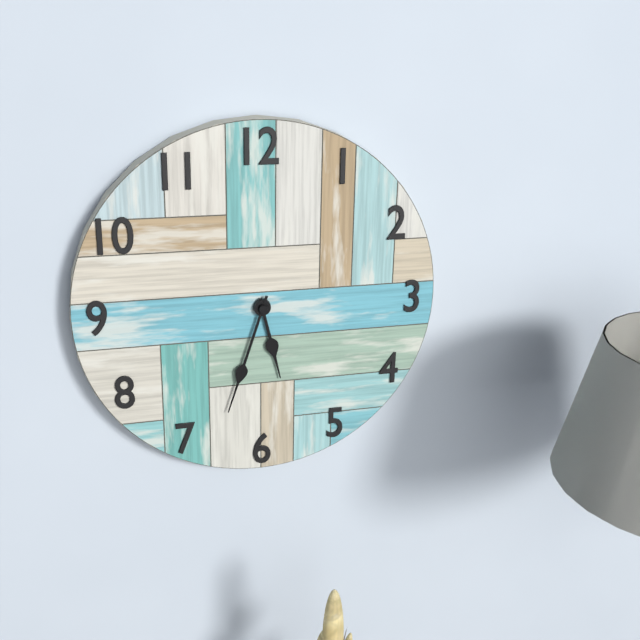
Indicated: 5,33
